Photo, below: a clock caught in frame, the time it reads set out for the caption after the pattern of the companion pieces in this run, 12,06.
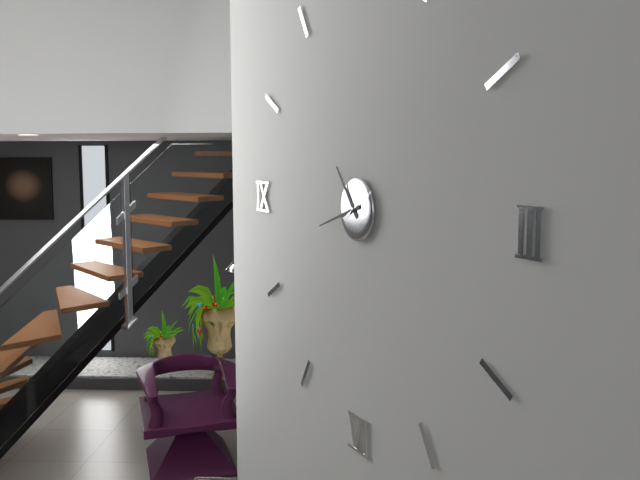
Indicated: 10,42
